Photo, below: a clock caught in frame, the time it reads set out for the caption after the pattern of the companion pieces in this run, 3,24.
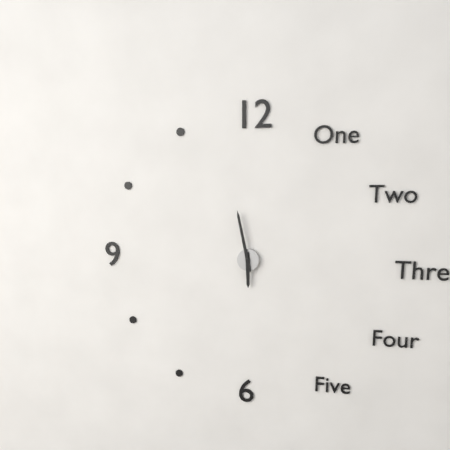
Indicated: 5,58
